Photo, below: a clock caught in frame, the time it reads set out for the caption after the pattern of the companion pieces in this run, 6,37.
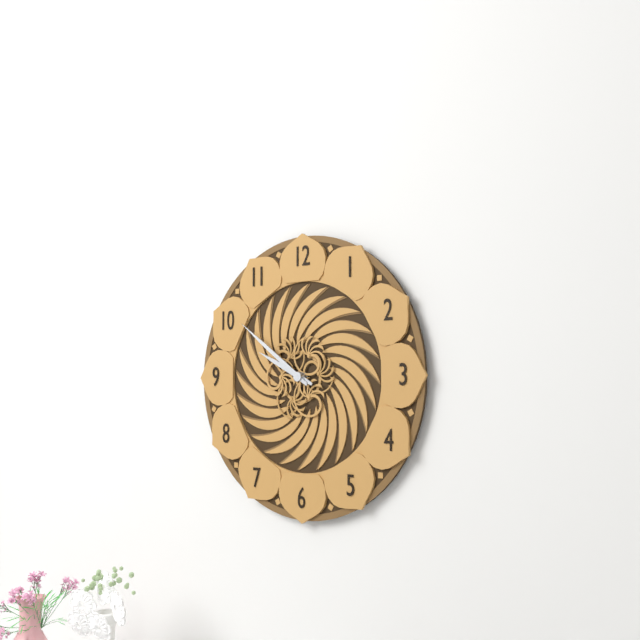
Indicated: 9,51
